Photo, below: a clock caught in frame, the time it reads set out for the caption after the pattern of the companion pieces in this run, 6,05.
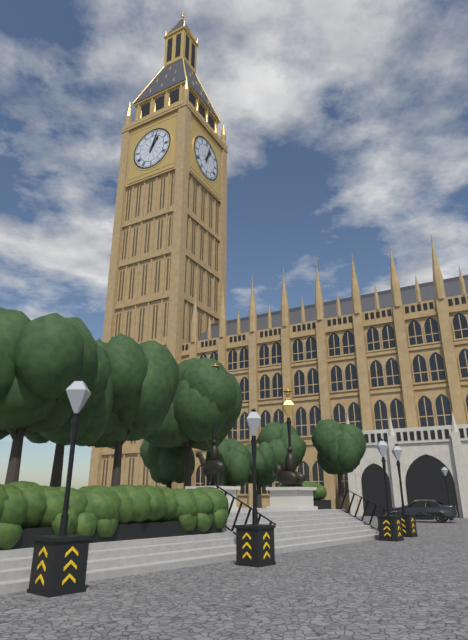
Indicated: 1,03
